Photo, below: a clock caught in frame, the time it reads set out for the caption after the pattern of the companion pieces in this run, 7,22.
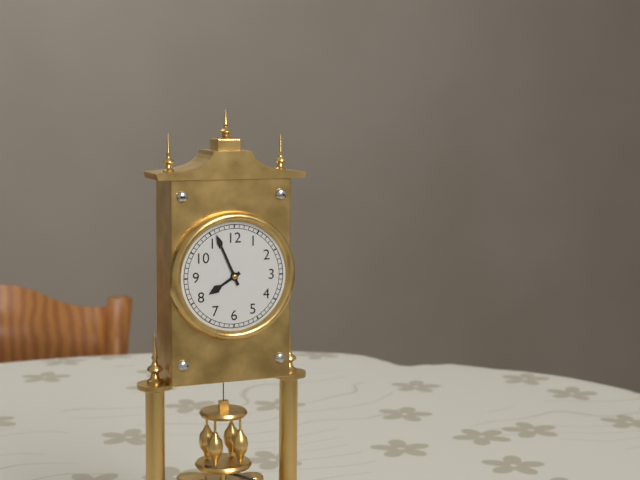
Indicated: 7,56
